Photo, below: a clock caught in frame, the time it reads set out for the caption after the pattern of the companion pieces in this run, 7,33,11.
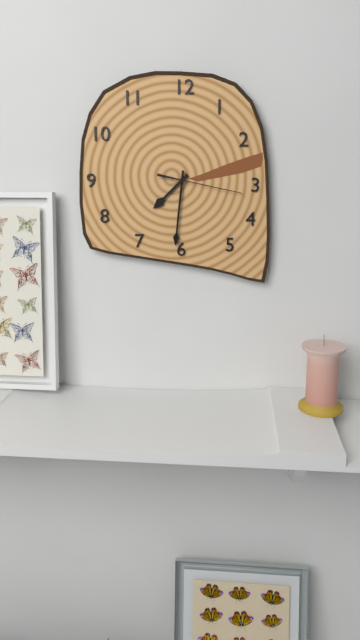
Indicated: 7,31,17
